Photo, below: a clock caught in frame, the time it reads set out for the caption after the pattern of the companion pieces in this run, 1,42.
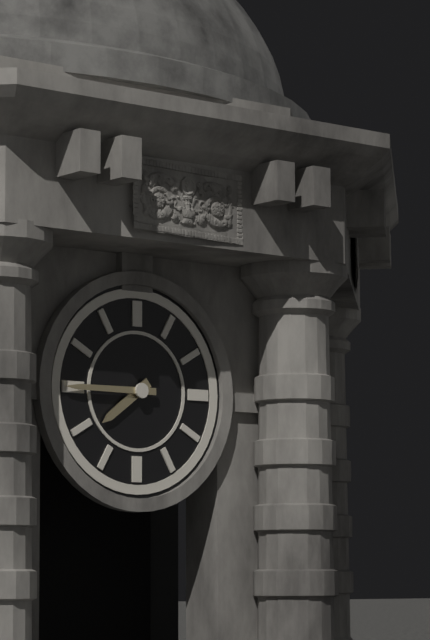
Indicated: 7,45
